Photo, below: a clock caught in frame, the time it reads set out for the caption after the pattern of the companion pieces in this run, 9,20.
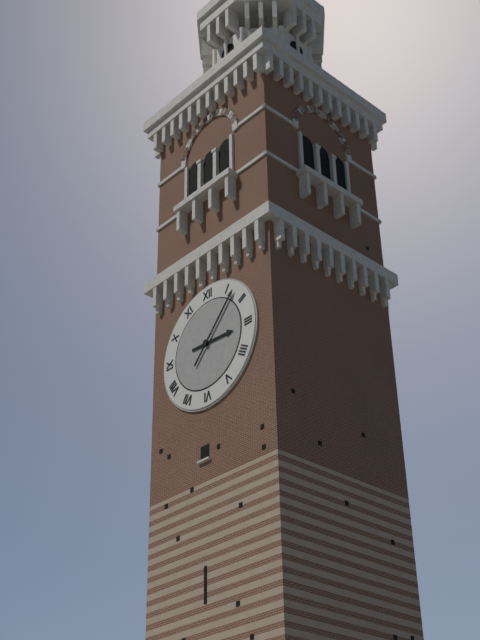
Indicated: 3,07
